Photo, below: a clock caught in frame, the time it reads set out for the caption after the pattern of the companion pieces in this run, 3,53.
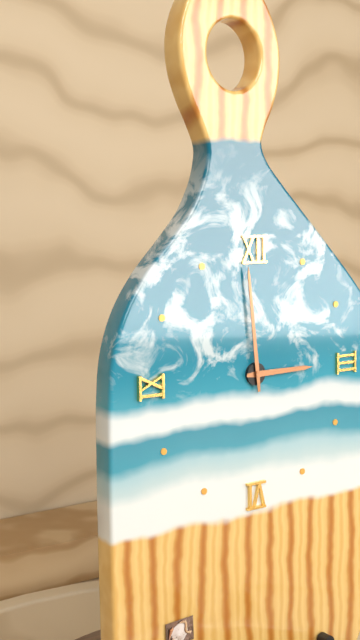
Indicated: 2,59
